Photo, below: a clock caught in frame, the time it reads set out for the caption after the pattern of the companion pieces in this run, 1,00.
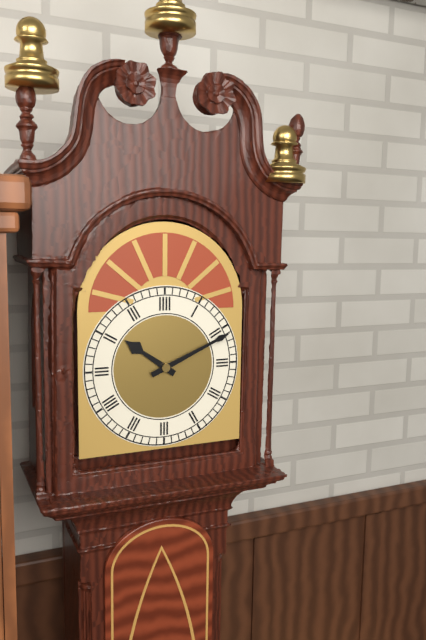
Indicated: 10,11
